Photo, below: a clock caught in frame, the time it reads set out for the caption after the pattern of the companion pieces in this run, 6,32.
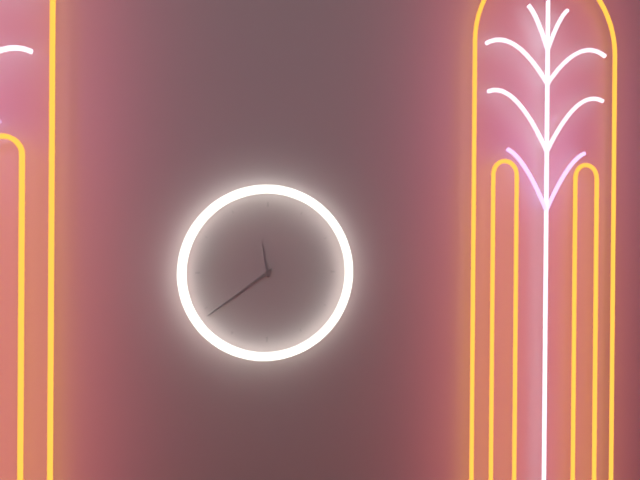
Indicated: 11,39
